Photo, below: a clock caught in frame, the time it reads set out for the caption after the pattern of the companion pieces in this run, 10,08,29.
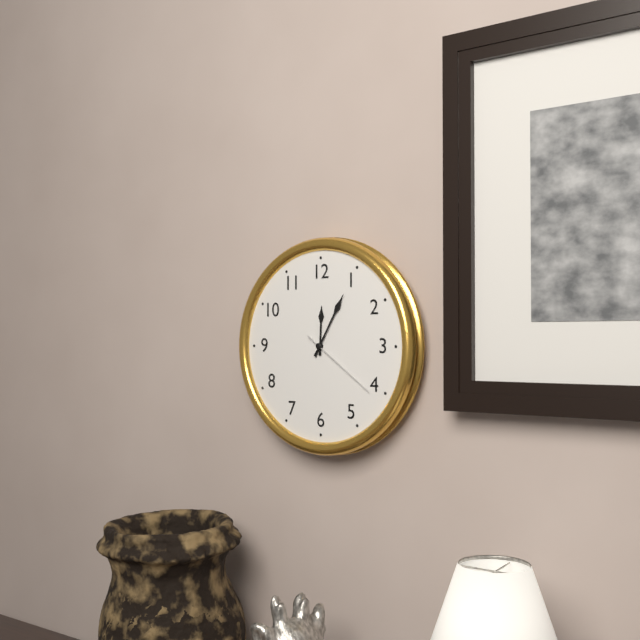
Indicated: 12,05,21
